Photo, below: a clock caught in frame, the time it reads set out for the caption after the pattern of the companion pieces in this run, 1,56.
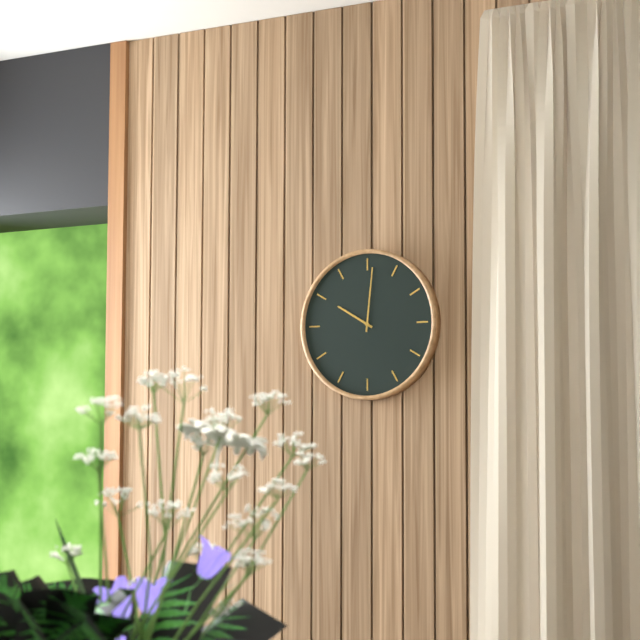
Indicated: 10,01
